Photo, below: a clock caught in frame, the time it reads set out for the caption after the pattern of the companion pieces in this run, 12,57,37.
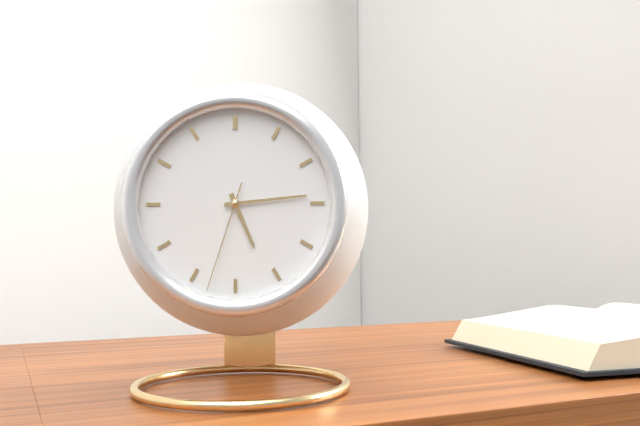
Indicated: 5,14,33
